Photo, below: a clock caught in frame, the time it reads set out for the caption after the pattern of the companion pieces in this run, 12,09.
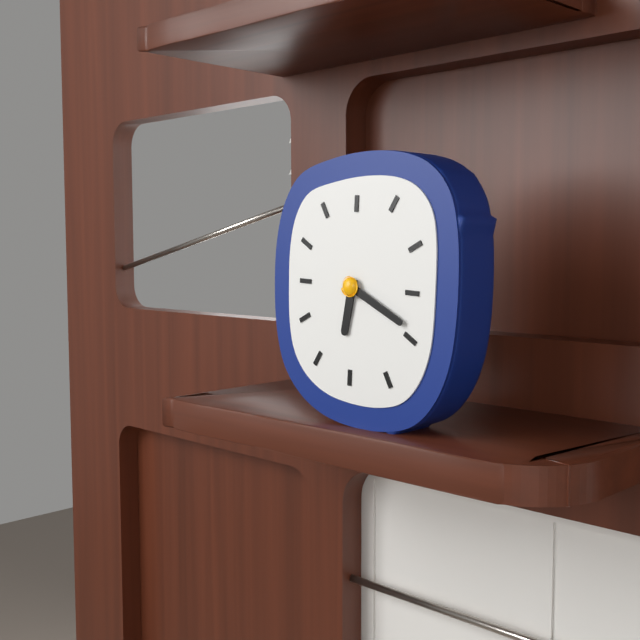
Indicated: 6,19
